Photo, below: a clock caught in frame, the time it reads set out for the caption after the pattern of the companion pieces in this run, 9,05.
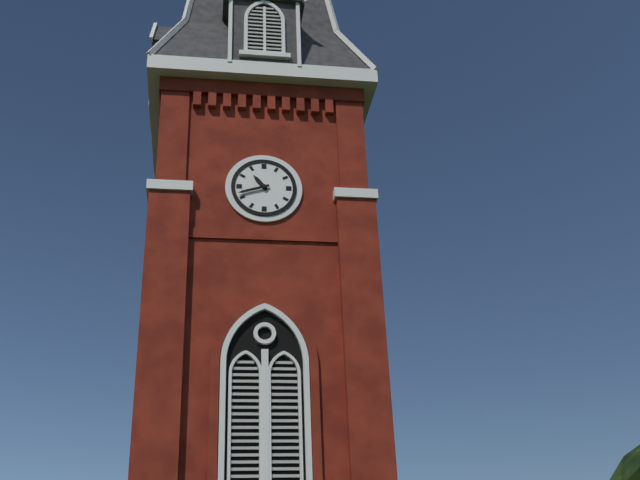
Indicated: 10,42
